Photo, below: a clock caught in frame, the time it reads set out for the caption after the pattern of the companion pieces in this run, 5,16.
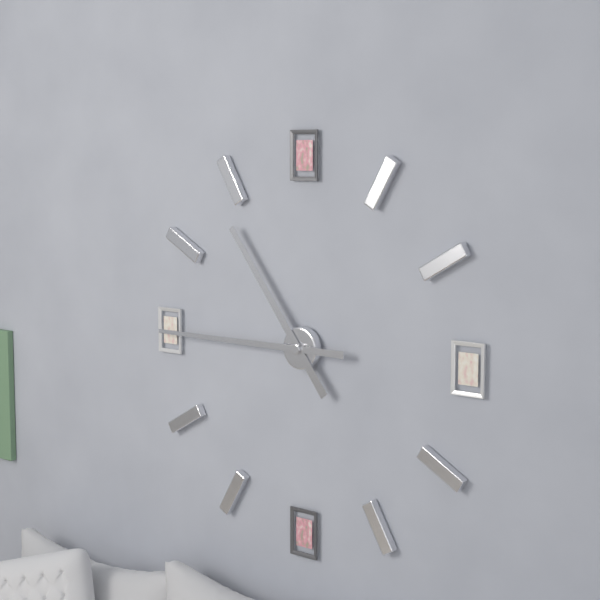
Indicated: 10,45
